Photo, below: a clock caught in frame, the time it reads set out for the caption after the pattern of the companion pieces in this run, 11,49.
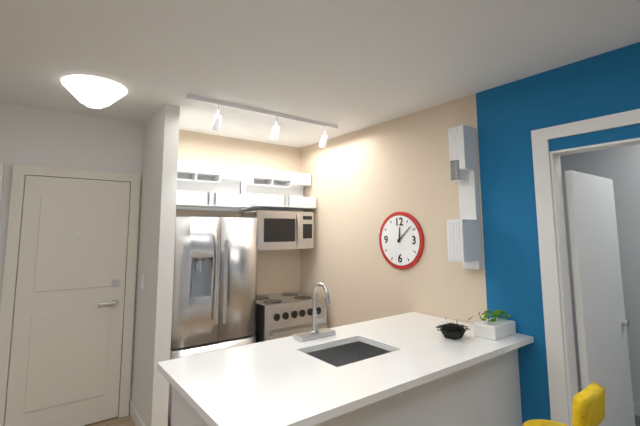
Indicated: 12,08
